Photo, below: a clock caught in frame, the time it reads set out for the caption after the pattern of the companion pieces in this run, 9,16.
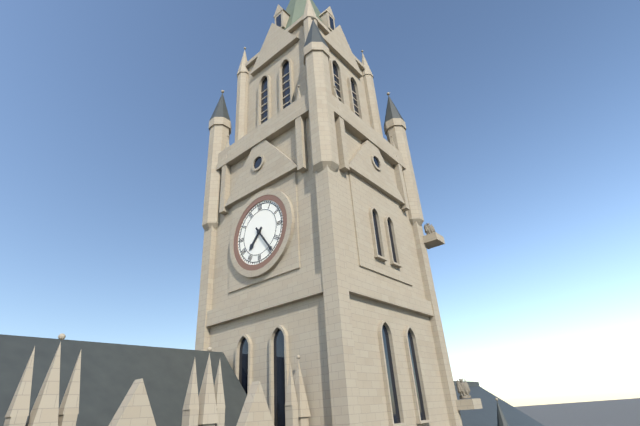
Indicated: 7,24
